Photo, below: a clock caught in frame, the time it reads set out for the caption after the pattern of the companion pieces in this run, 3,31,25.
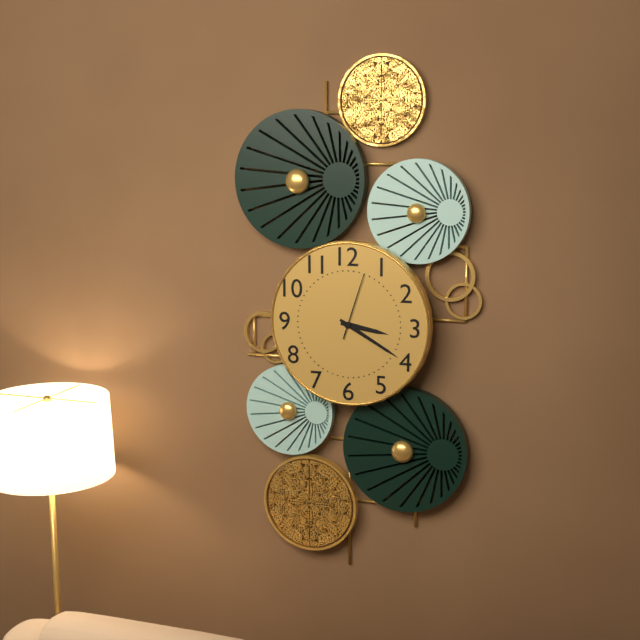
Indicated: 3,20,03
